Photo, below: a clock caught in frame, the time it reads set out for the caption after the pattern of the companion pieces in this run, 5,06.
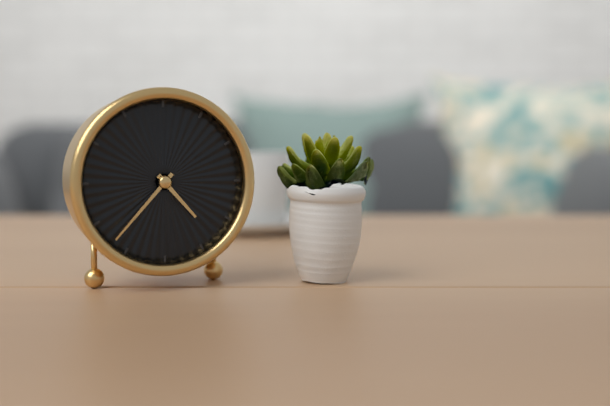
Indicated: 4,37
